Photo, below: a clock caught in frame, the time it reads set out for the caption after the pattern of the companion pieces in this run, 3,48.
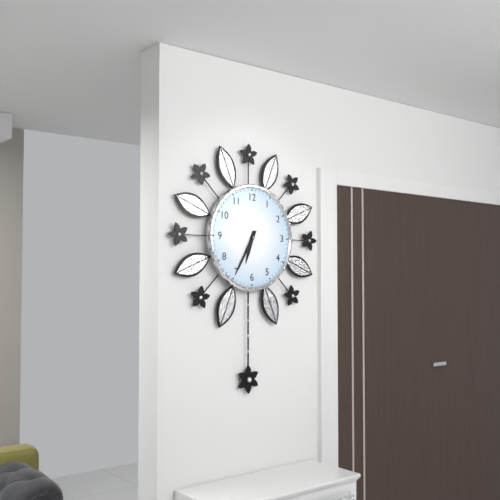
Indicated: 6,35
